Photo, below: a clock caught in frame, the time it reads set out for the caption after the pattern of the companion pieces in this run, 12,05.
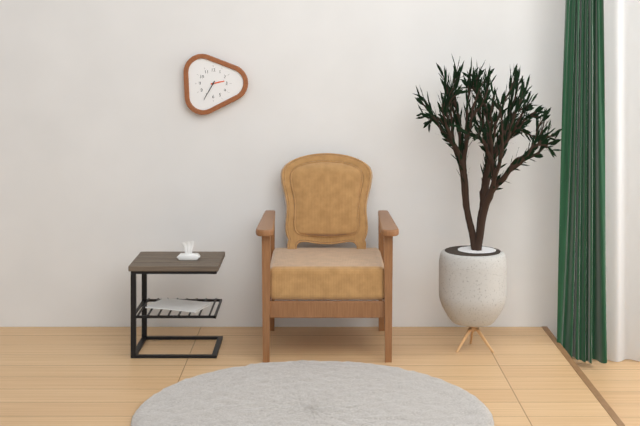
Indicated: 2,35
